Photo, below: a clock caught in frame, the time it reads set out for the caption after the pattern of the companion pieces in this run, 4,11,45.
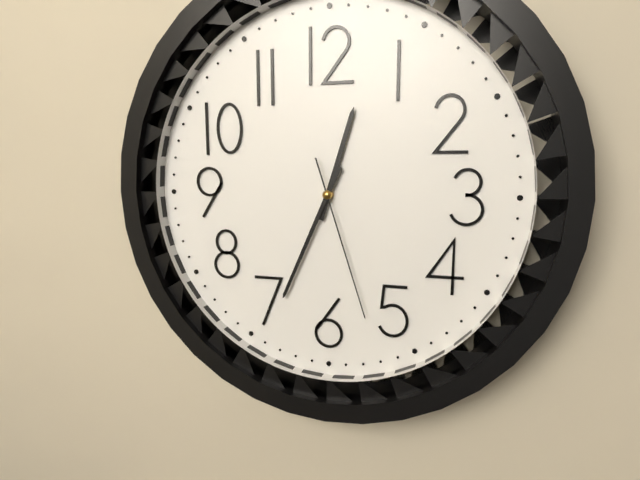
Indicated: 12,34,27
